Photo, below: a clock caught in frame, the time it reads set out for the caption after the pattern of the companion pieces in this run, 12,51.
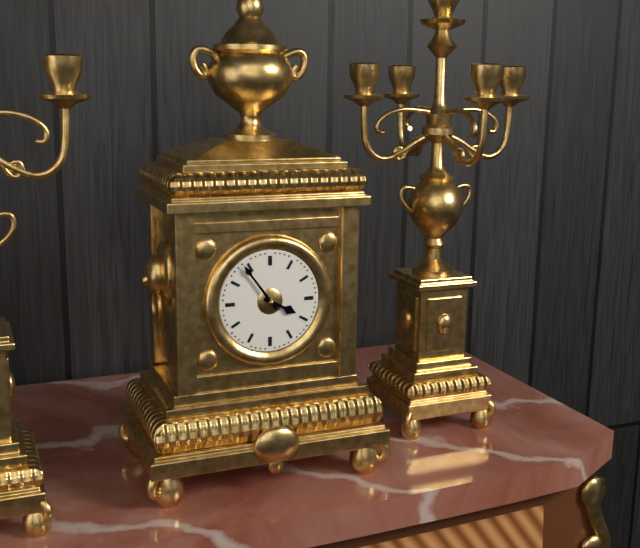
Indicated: 3,54
